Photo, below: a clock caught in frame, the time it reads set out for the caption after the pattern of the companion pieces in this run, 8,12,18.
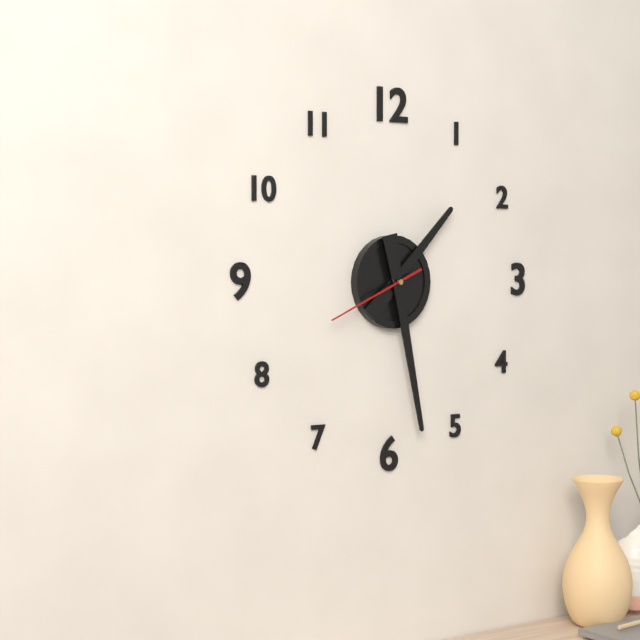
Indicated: 1,28,41
